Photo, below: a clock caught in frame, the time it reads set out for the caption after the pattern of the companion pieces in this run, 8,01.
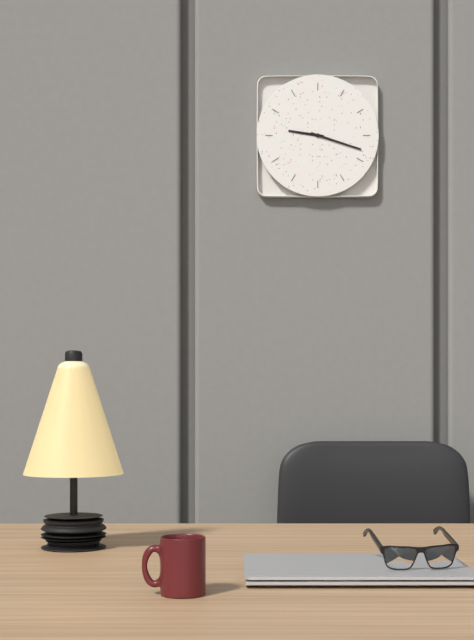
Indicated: 9,18
